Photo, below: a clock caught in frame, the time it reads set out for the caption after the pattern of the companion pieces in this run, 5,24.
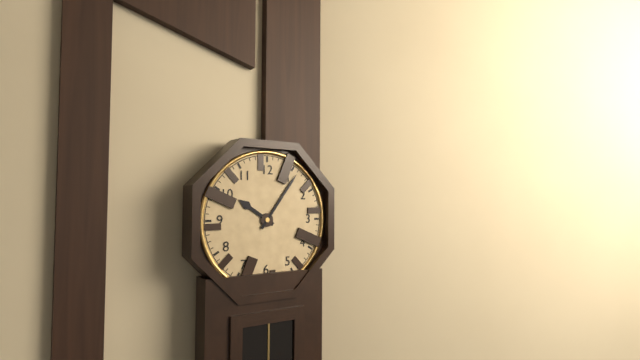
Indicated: 10,06
